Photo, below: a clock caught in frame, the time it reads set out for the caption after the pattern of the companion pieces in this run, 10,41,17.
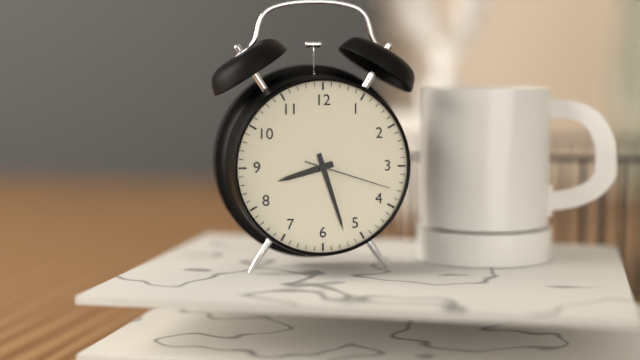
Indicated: 8,27,18
